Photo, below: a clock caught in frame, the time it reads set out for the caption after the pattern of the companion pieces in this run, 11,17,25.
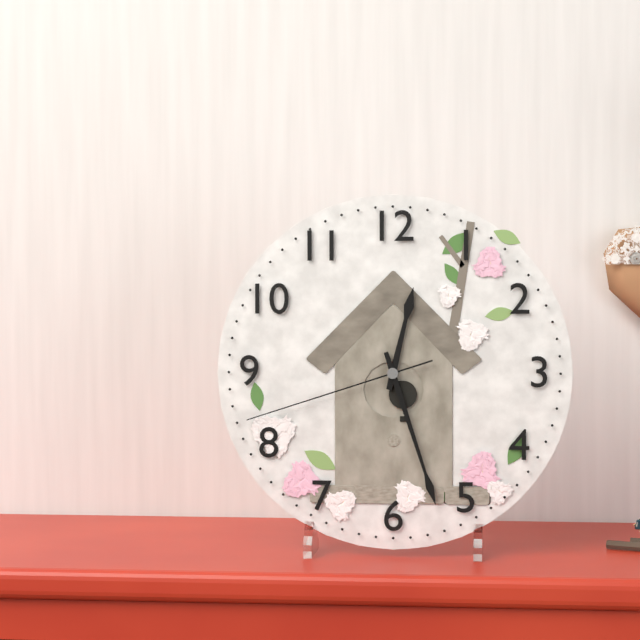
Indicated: 12,27,42
